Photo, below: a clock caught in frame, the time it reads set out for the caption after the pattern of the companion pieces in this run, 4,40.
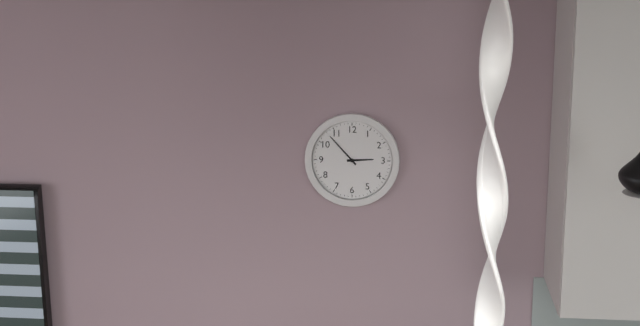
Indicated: 2,53
